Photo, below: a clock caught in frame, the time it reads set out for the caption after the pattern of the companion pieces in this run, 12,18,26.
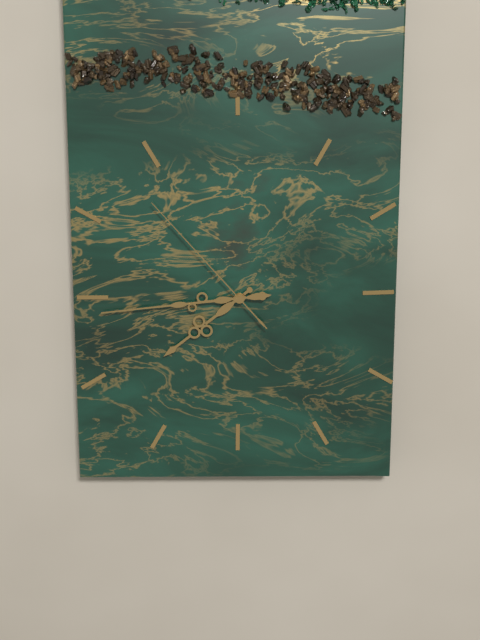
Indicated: 7,44,53
